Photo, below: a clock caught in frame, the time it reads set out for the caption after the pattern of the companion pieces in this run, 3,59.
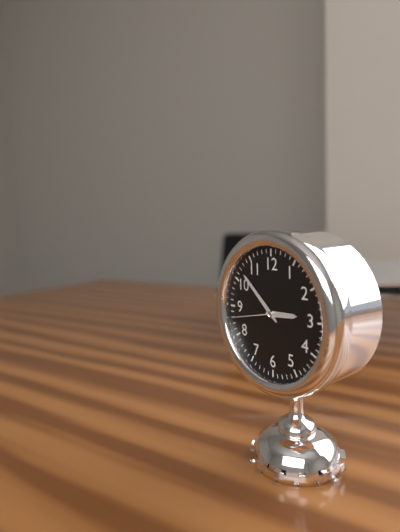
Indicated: 2,52
